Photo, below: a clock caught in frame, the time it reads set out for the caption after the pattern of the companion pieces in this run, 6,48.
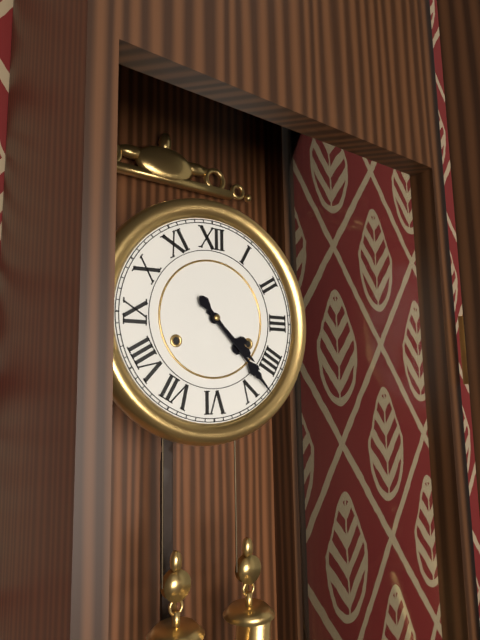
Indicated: 4,23
